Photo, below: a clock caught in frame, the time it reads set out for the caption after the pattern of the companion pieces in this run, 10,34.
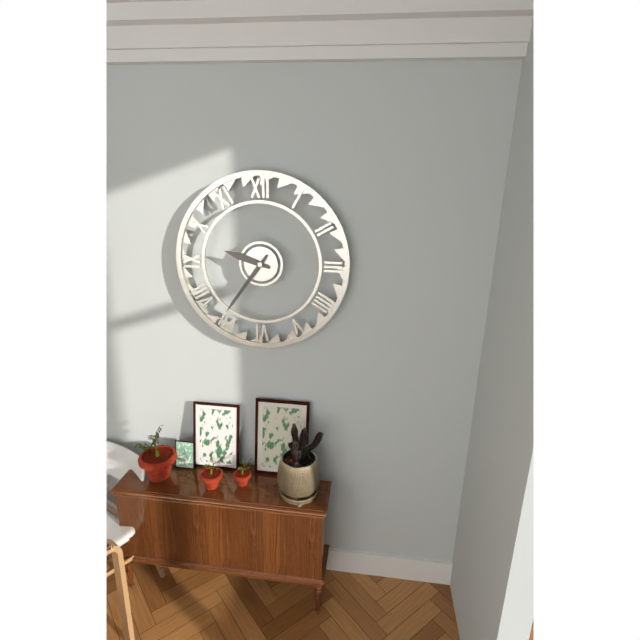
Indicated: 9,36
